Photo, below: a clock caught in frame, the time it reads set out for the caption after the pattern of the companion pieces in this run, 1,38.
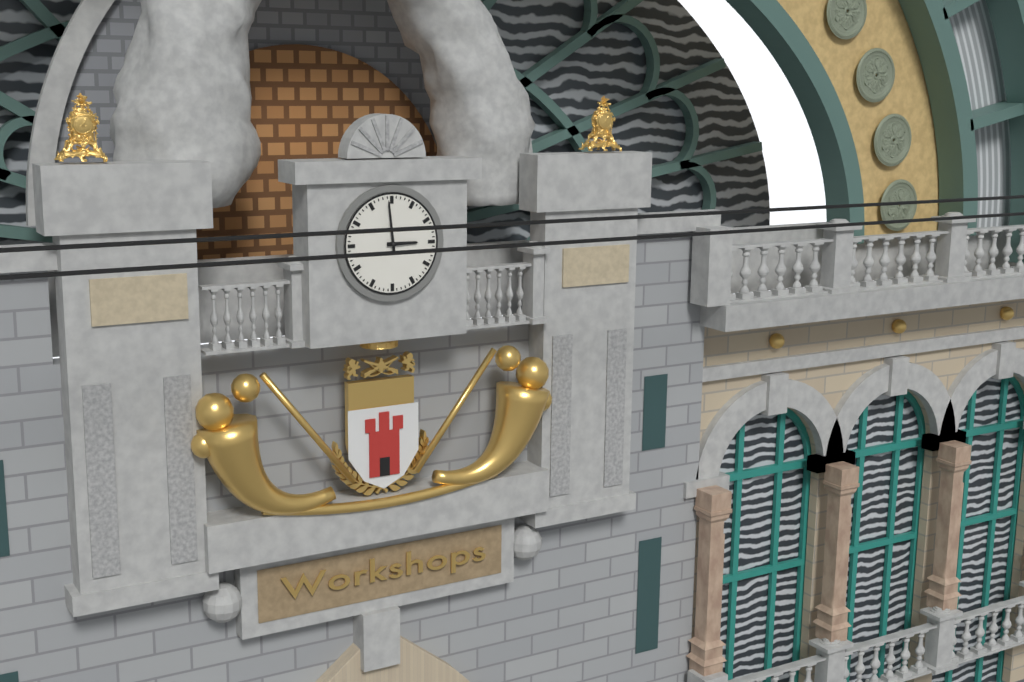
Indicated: 2,59
